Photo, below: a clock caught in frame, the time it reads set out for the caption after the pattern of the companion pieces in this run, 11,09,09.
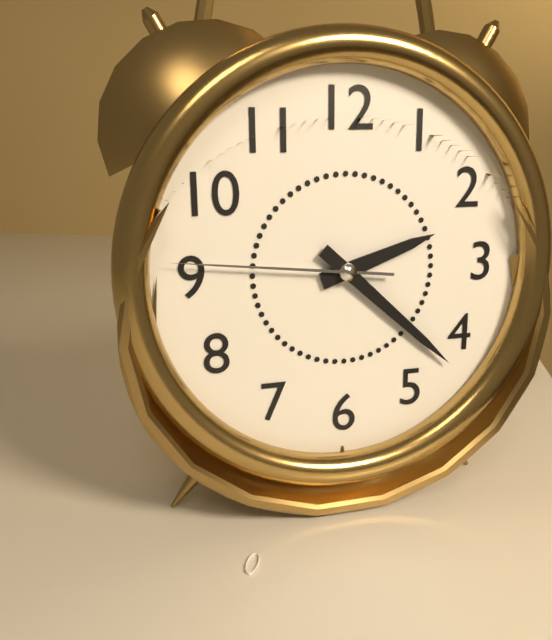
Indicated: 2,22,46
